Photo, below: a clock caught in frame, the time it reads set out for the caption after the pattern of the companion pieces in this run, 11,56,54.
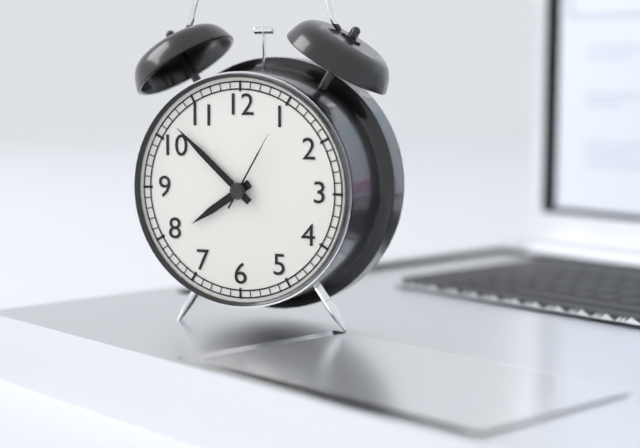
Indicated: 7,52,05
